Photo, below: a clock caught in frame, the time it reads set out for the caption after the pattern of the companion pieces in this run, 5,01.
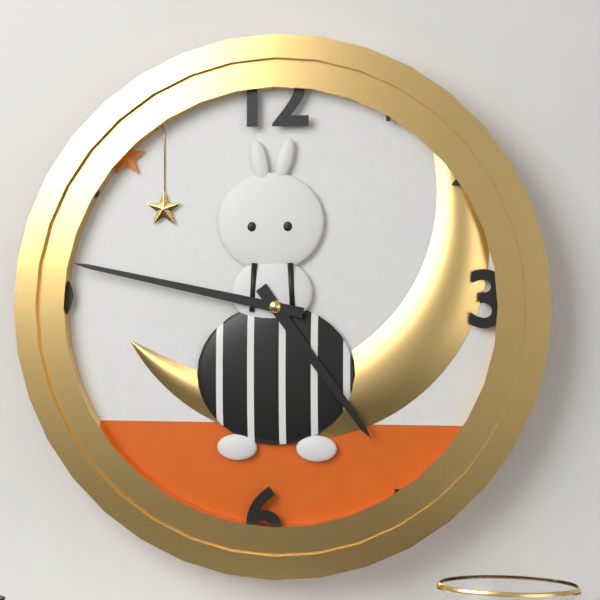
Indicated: 4,47
